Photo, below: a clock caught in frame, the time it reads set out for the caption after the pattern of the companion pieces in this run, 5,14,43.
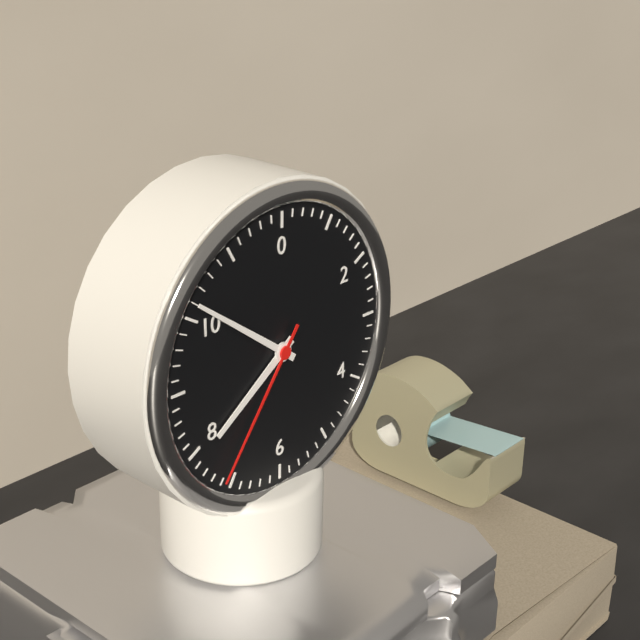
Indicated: 7,51,36
